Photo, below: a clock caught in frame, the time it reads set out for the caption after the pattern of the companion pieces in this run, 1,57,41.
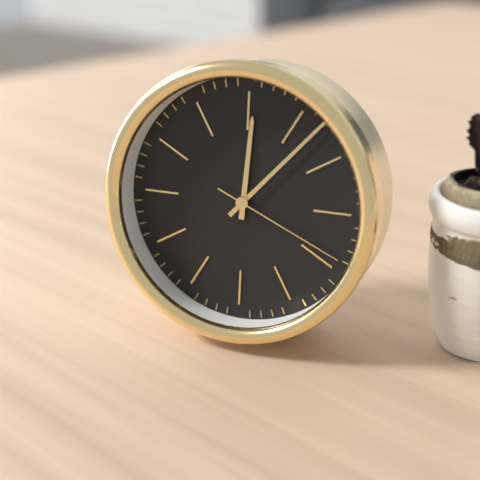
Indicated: 12,07,19
